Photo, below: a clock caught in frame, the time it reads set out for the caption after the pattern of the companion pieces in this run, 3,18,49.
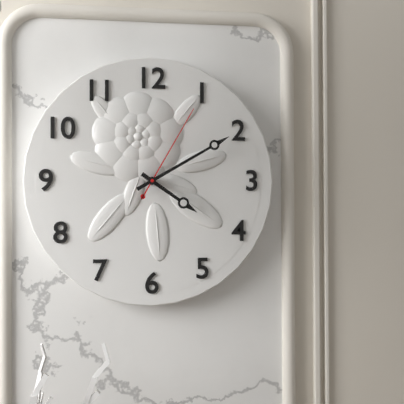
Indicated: 4,10,05
